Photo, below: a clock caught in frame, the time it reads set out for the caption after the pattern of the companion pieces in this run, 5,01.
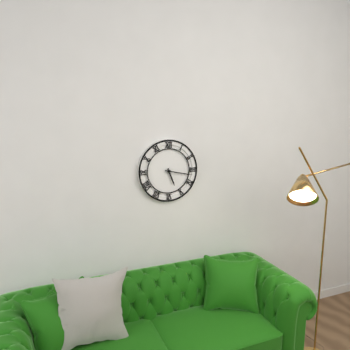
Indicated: 5,17
